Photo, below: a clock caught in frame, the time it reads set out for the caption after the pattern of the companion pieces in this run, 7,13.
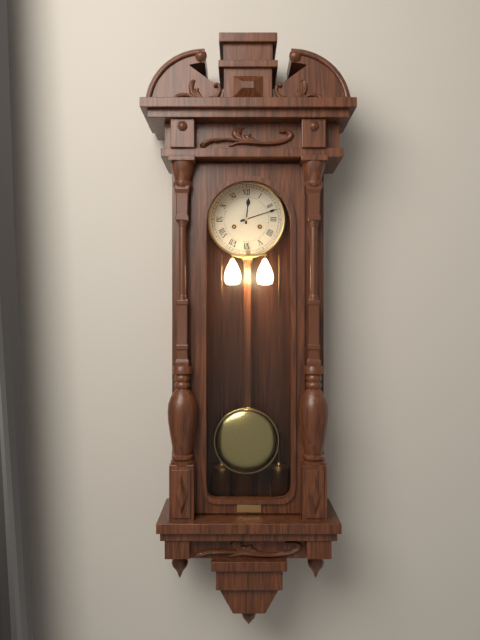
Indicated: 12,12
